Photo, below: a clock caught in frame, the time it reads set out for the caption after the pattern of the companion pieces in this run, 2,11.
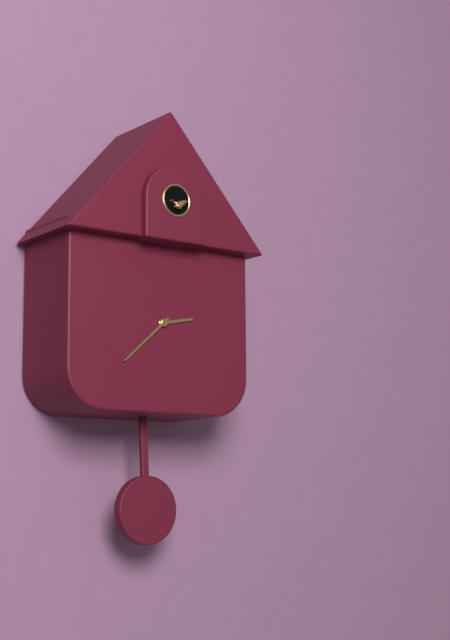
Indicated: 2,38
